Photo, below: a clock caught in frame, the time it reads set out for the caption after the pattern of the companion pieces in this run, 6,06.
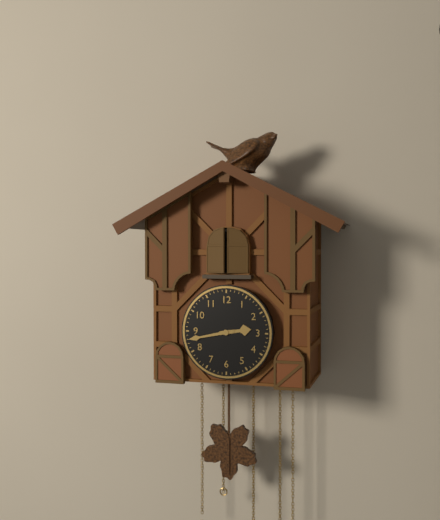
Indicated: 2,43
